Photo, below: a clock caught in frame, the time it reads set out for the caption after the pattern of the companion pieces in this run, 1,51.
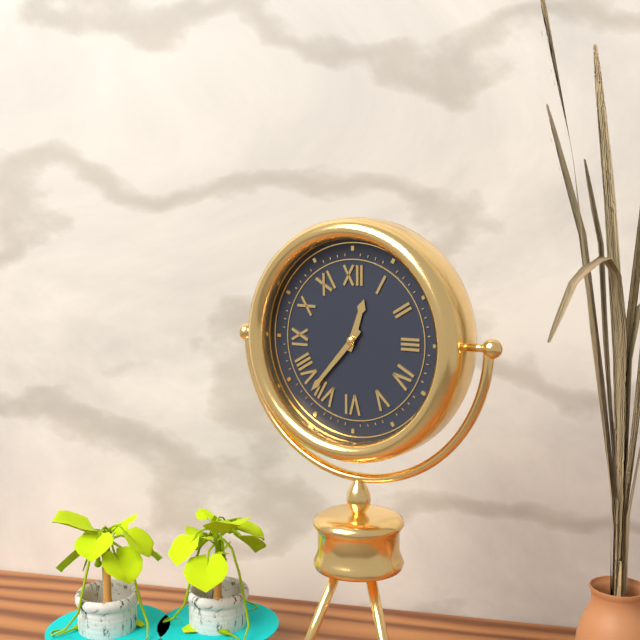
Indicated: 12,37
